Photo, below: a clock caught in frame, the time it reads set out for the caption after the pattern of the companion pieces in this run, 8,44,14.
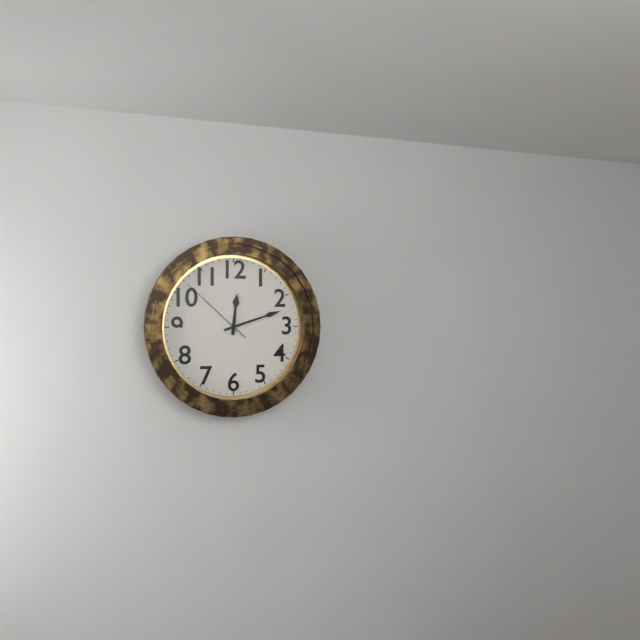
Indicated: 12,12,52
